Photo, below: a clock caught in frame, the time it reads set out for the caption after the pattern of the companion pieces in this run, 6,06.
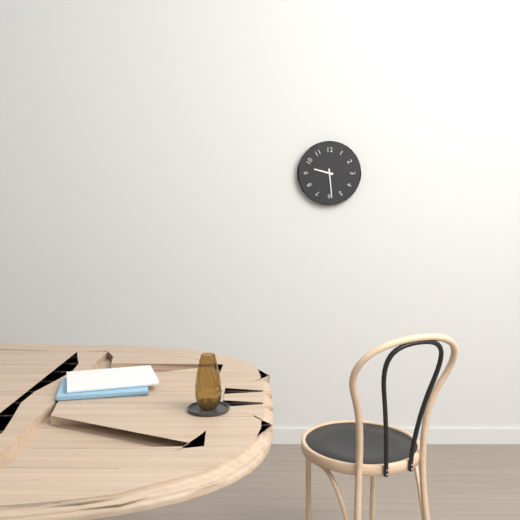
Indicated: 9,29
